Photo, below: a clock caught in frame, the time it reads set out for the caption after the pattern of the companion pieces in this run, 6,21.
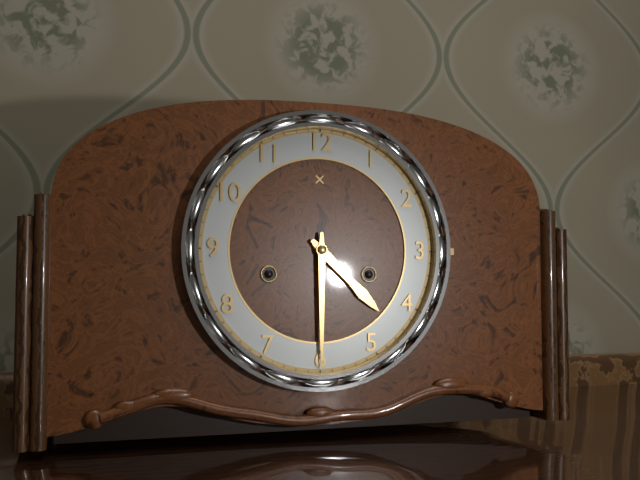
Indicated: 4,30
